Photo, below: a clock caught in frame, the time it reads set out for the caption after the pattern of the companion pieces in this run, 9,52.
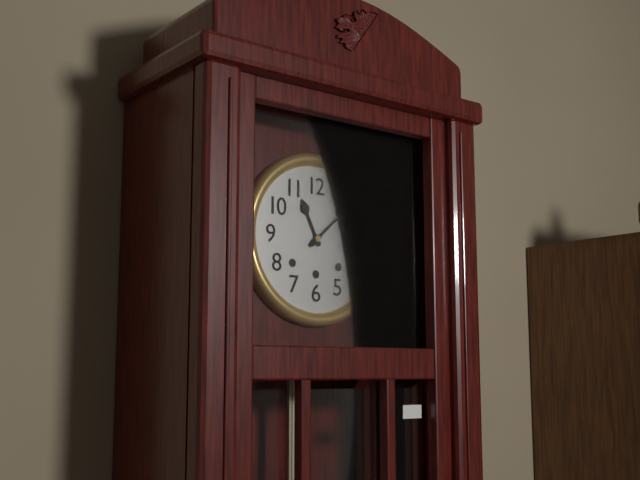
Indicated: 11,08
